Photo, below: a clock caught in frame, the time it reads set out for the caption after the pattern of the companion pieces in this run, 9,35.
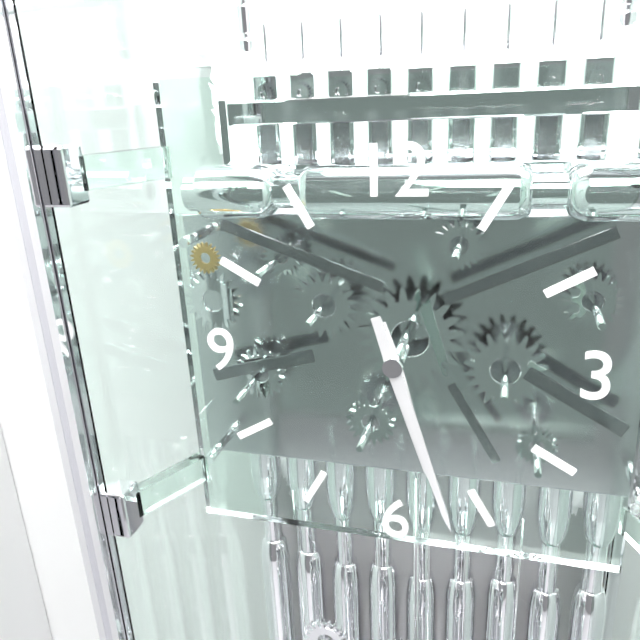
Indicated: 5,27
